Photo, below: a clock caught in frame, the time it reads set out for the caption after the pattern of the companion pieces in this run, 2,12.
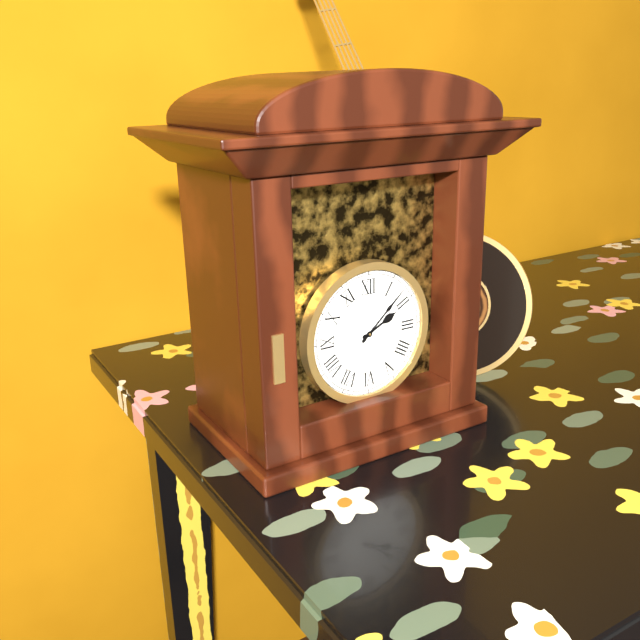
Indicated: 2,08
